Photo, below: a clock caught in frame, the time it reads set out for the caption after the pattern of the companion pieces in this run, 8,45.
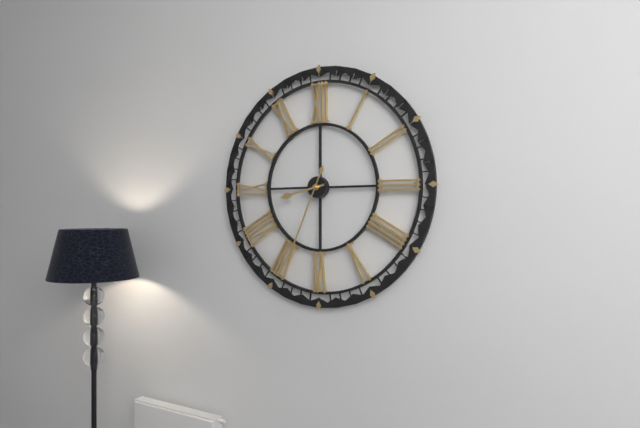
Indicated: 8,34
